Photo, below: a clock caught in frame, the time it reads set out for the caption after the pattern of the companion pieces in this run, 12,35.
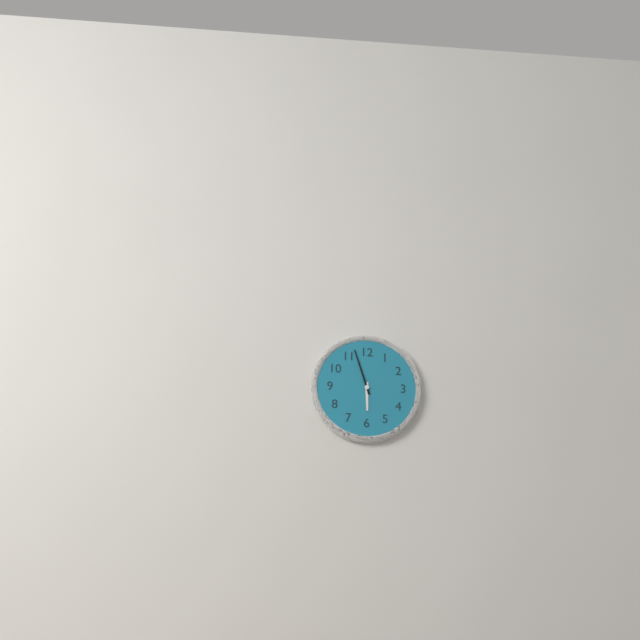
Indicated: 5,57
